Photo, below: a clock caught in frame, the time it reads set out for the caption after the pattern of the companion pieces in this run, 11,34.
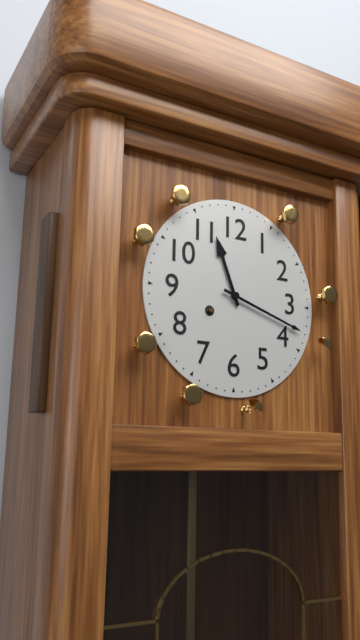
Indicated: 11,18
